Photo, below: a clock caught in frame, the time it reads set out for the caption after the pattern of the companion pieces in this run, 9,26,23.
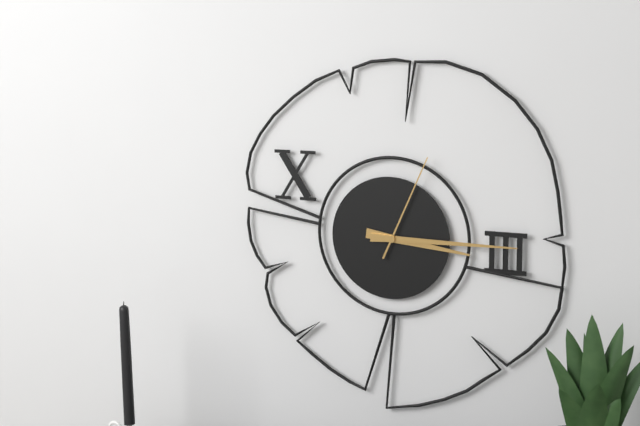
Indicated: 3,15,04
